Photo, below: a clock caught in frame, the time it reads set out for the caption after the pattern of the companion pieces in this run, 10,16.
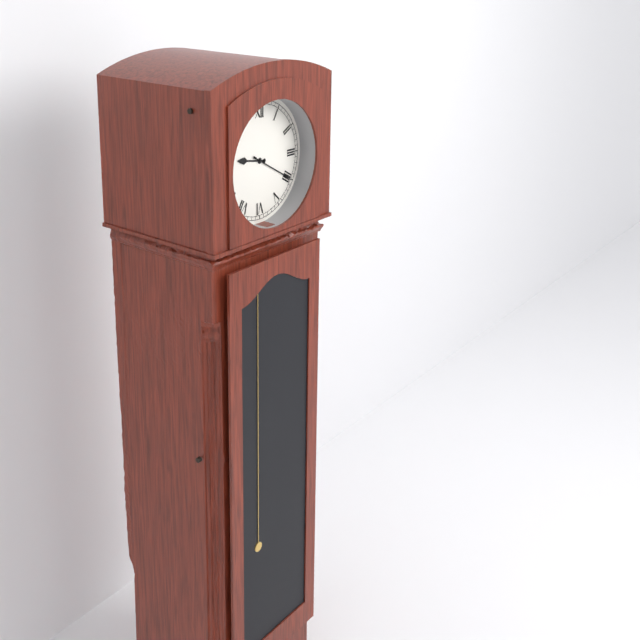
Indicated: 9,20
